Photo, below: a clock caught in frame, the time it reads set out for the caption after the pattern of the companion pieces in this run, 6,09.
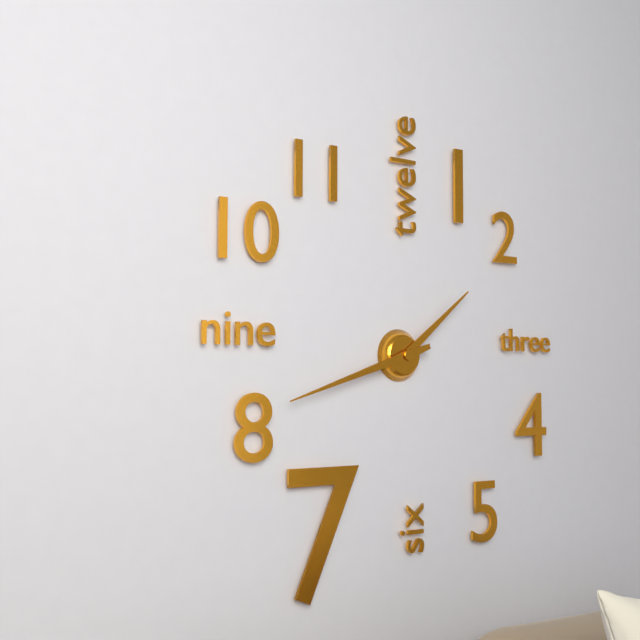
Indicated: 1,42
